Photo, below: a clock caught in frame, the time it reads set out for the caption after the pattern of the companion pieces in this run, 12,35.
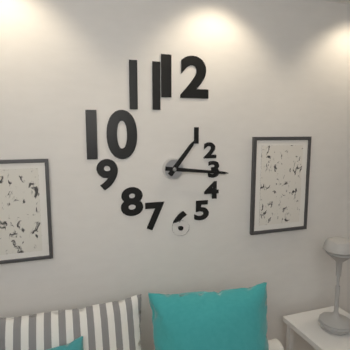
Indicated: 1,16
